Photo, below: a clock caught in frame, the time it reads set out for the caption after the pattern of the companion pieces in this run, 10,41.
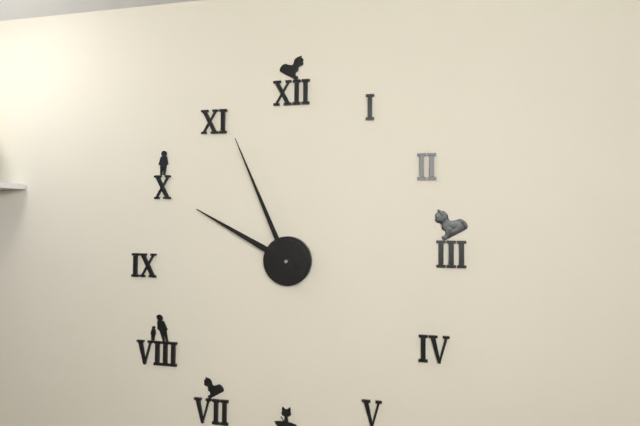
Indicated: 9,56
